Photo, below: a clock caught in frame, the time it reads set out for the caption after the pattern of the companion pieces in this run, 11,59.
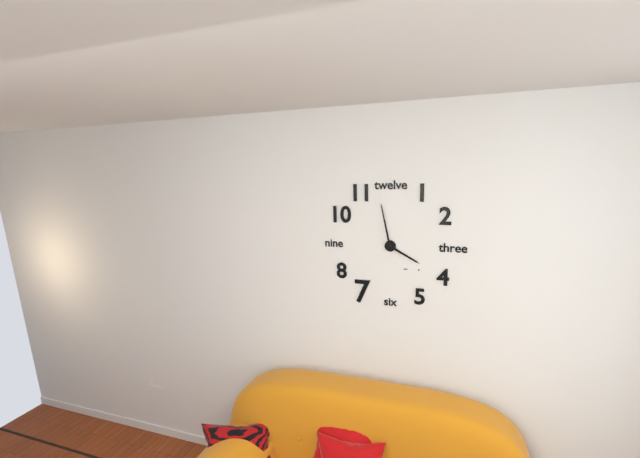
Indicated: 3,58
